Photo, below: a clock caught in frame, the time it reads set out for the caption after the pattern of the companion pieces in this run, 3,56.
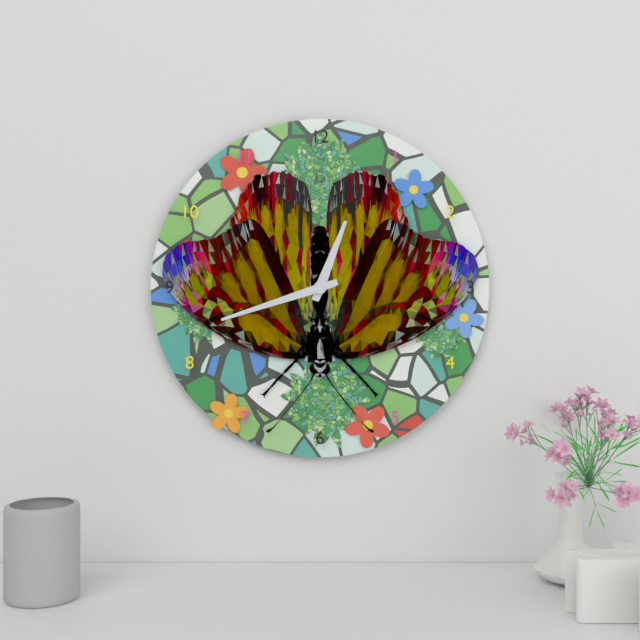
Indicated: 12,42
